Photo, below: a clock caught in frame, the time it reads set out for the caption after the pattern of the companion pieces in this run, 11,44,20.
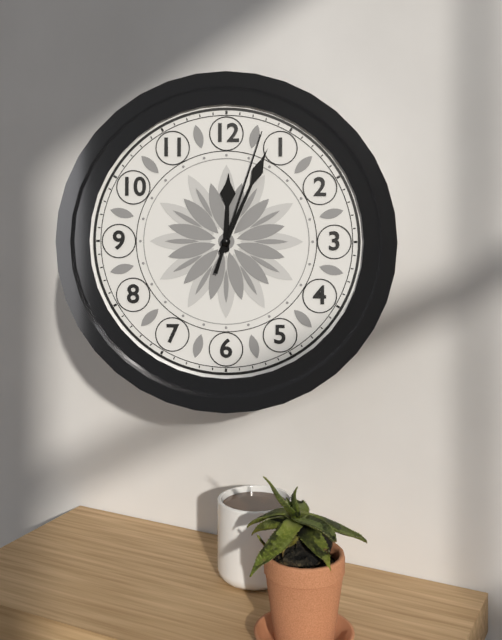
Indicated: 12,04,03
